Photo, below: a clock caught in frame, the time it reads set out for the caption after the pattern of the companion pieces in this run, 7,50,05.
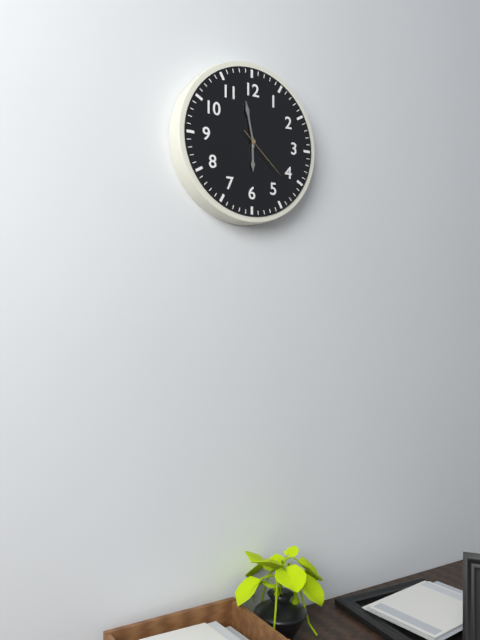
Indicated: 5,58,22
